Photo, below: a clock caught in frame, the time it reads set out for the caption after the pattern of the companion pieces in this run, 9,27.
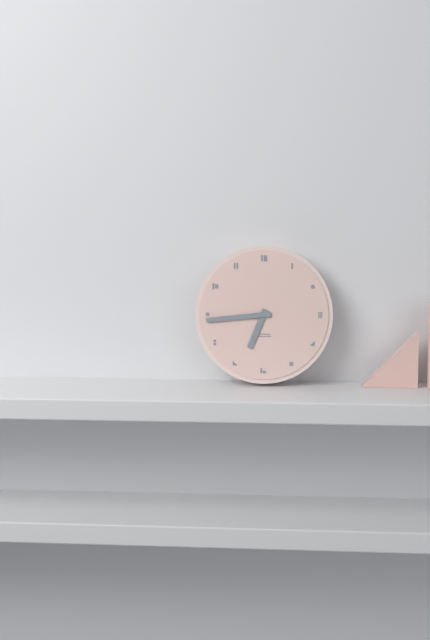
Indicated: 6,44
